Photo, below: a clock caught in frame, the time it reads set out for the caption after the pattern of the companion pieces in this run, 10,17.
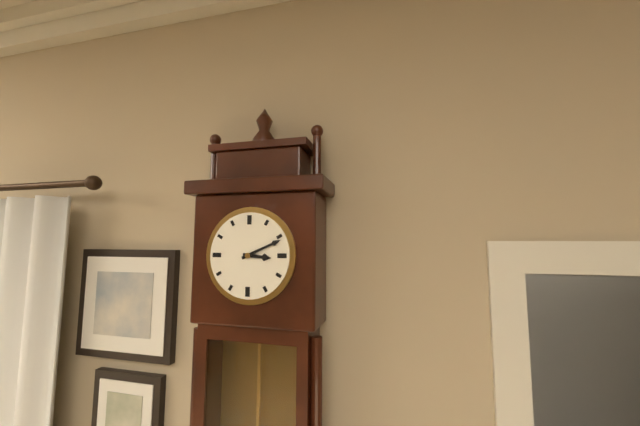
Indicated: 3,11
